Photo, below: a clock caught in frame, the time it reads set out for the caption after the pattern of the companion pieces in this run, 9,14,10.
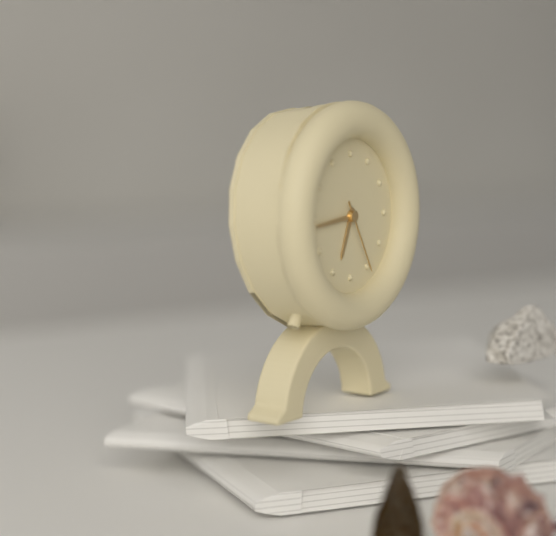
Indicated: 6,44,25
